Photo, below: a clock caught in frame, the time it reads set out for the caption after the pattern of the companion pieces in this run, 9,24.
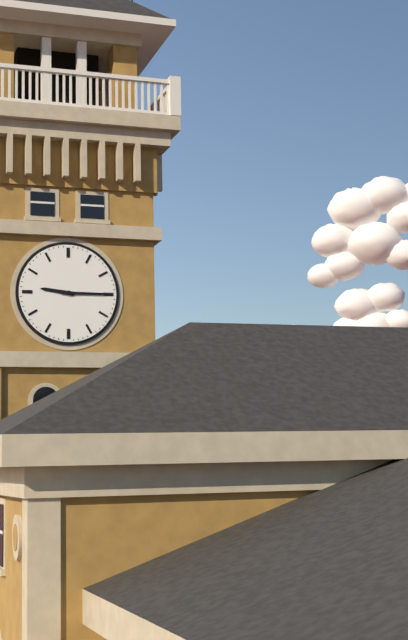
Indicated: 9,15
